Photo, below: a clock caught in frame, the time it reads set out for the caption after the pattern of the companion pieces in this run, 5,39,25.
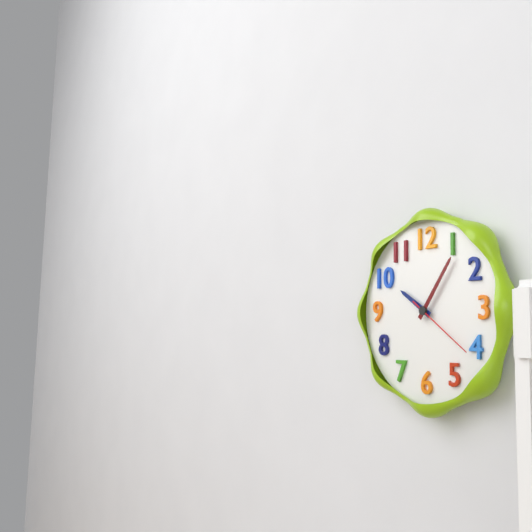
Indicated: 10,06,21
